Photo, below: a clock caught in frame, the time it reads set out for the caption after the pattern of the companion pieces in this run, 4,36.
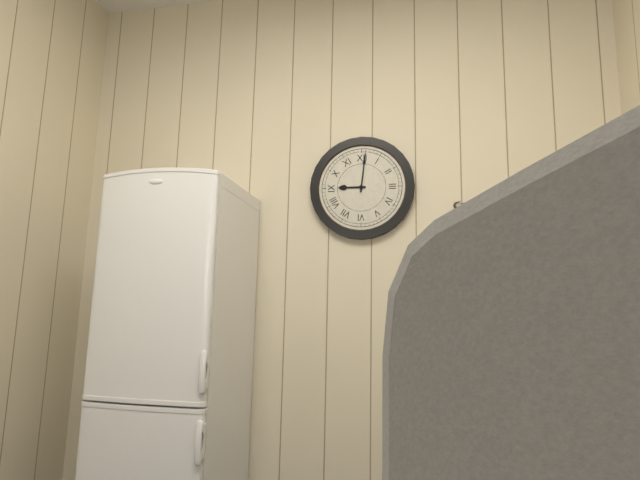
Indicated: 9,01
